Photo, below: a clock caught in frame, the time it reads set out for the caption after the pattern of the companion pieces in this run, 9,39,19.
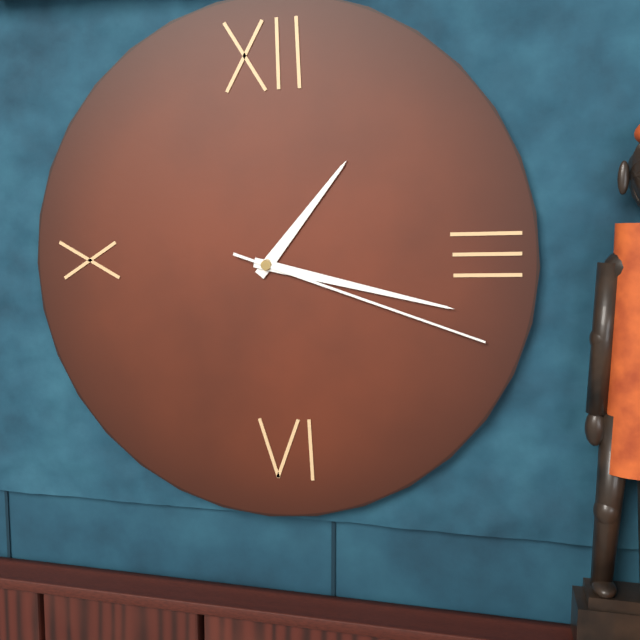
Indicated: 1,17,18
